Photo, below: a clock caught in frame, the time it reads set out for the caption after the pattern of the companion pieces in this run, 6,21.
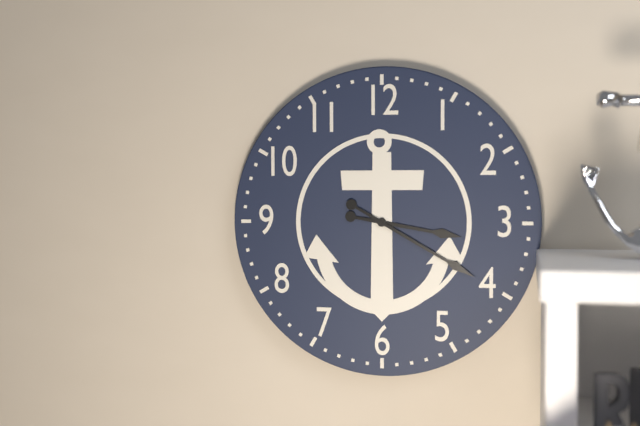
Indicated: 3,20
